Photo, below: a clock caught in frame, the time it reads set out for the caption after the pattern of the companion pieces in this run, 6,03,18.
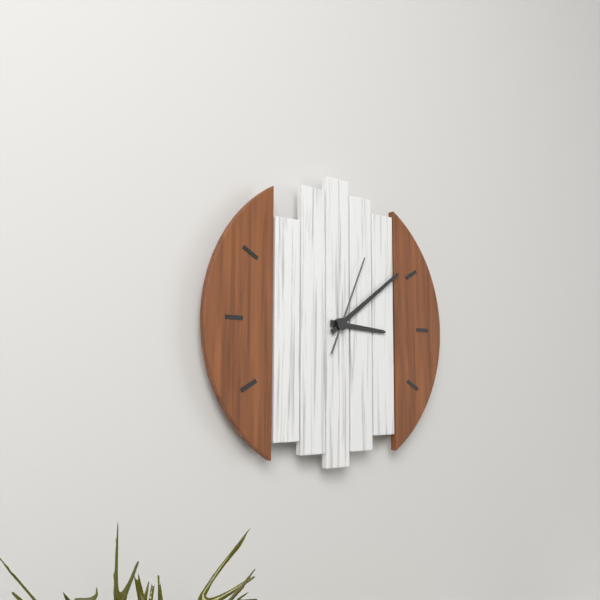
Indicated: 3,09,04
